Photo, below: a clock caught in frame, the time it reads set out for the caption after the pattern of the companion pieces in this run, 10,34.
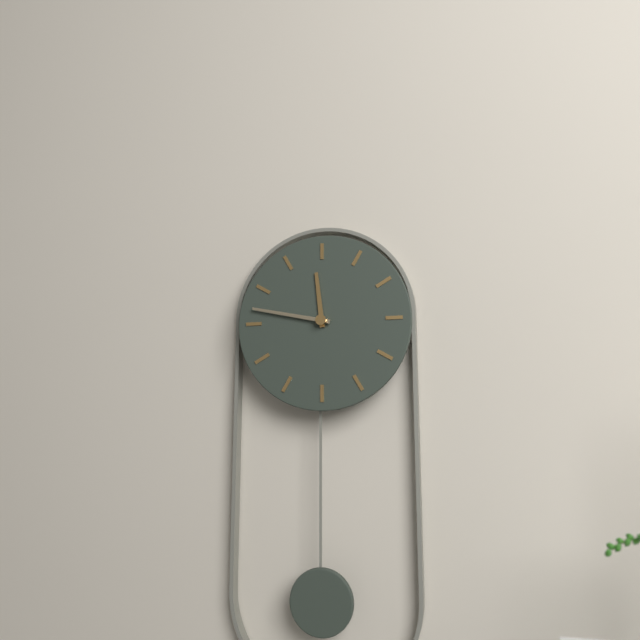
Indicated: 11,47
